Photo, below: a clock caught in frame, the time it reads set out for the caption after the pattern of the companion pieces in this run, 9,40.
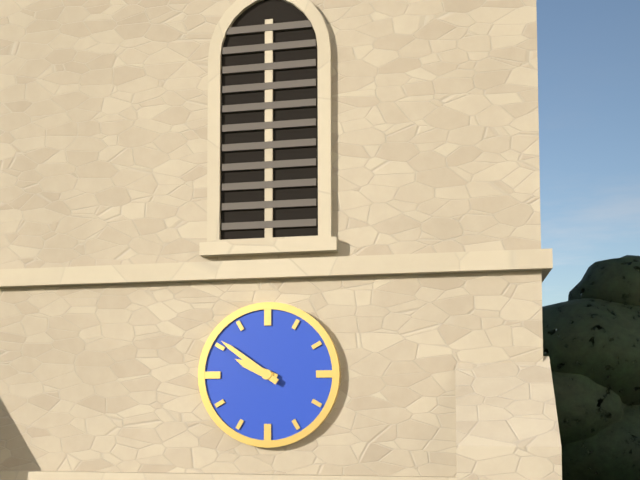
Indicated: 9,51
